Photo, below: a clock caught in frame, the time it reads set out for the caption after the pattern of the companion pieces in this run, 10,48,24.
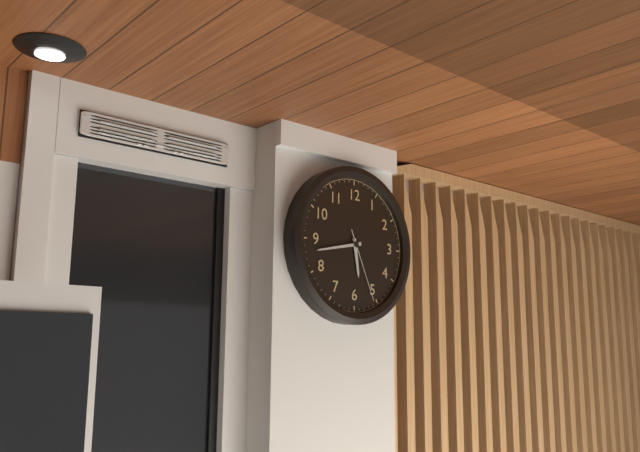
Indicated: 5,43,26
